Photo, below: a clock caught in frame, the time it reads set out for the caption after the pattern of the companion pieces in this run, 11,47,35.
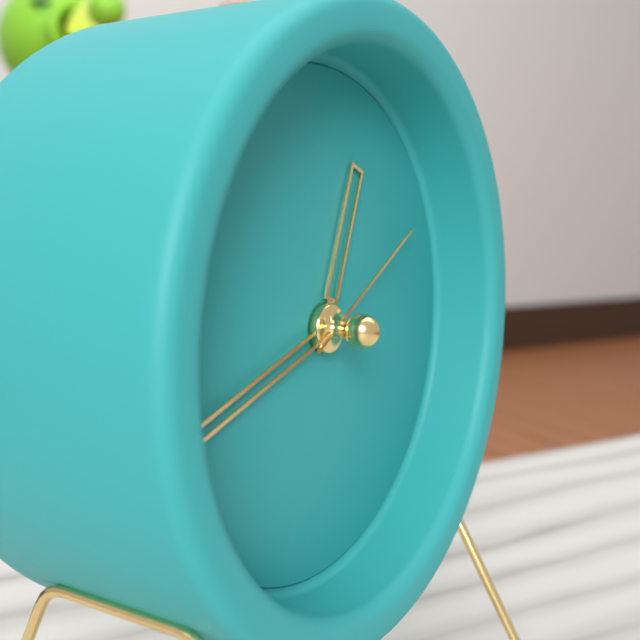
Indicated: 12,42,10
